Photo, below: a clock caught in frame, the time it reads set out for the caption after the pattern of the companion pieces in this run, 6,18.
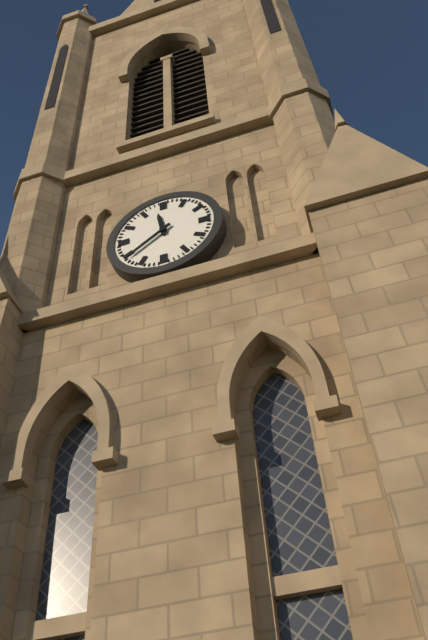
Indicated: 11,39
